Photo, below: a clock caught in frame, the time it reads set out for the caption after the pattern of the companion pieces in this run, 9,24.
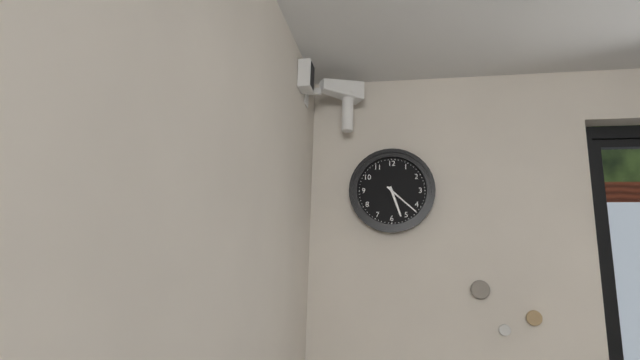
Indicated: 5,22
